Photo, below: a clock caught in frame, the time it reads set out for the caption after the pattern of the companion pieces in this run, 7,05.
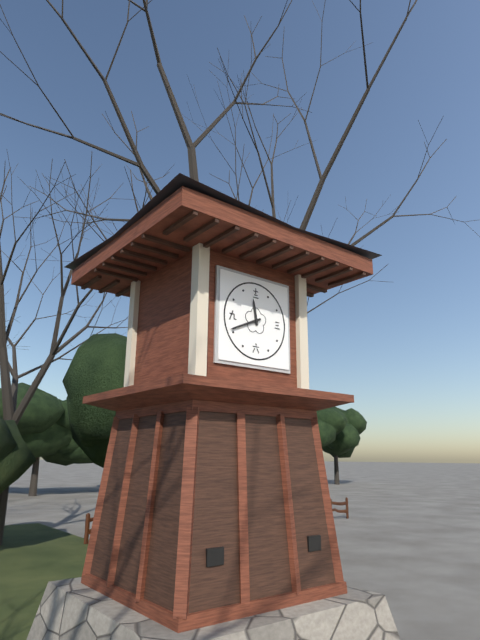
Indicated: 11,41
